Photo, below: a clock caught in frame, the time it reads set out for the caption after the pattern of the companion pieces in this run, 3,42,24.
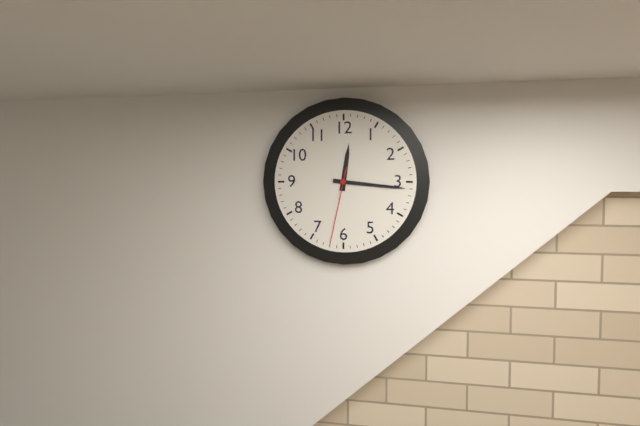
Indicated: 12,16,32
